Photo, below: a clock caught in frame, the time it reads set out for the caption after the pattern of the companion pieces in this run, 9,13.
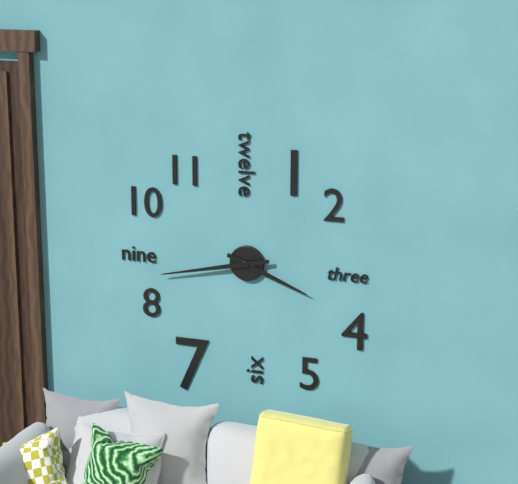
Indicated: 3,43
